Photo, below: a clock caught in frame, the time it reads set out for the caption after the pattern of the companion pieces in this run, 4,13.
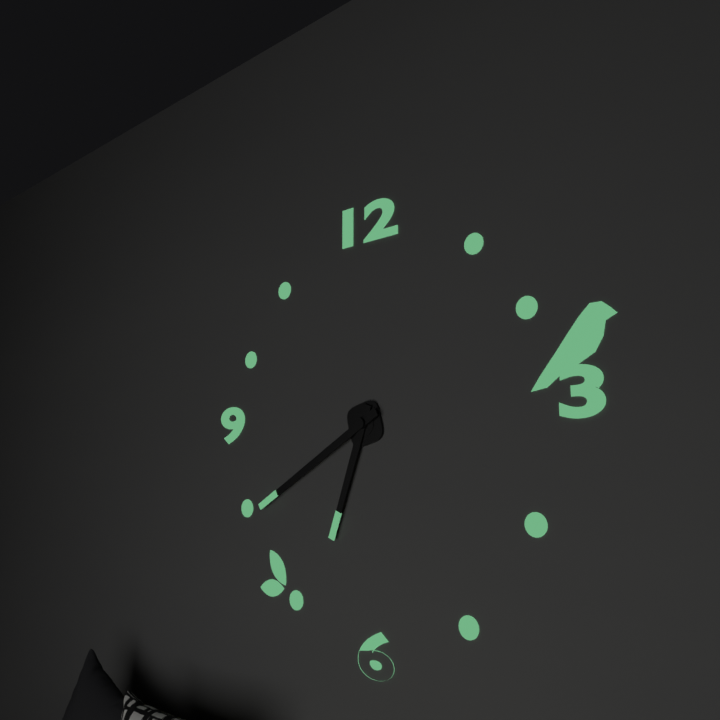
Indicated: 6,40
